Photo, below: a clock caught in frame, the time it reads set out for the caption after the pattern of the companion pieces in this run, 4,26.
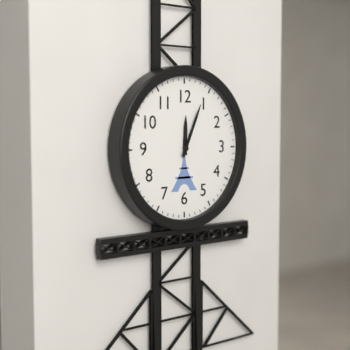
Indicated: 12,04
